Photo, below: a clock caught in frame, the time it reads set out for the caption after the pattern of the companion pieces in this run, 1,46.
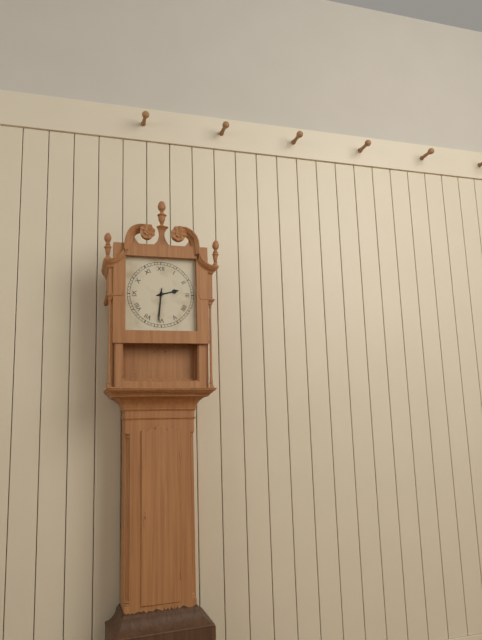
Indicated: 2,31
